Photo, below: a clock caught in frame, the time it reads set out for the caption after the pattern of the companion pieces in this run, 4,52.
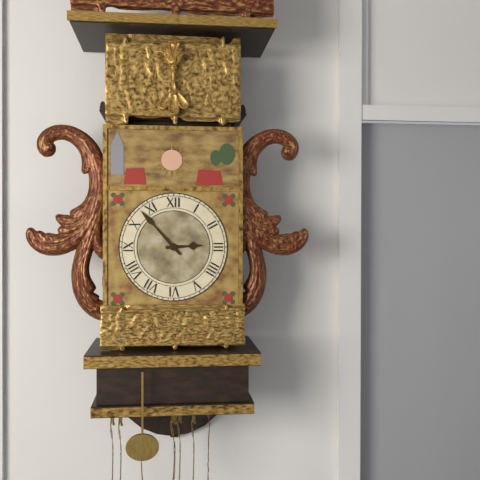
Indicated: 2,53
